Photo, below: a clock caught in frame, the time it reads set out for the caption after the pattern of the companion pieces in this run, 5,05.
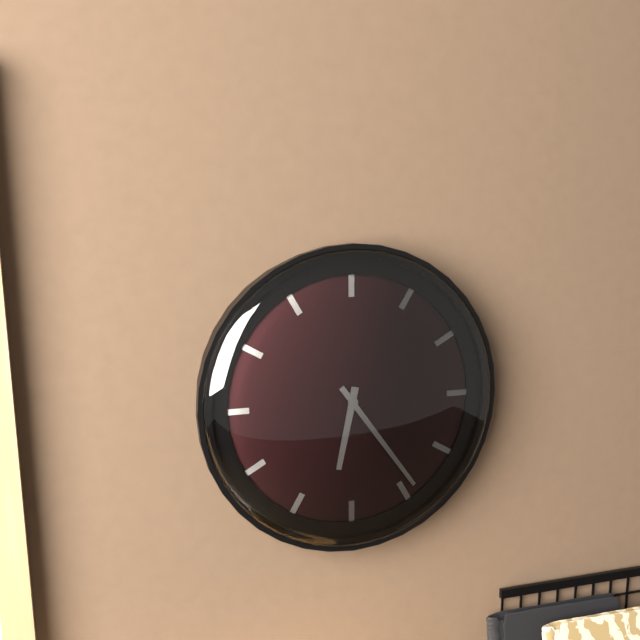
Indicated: 6,24
